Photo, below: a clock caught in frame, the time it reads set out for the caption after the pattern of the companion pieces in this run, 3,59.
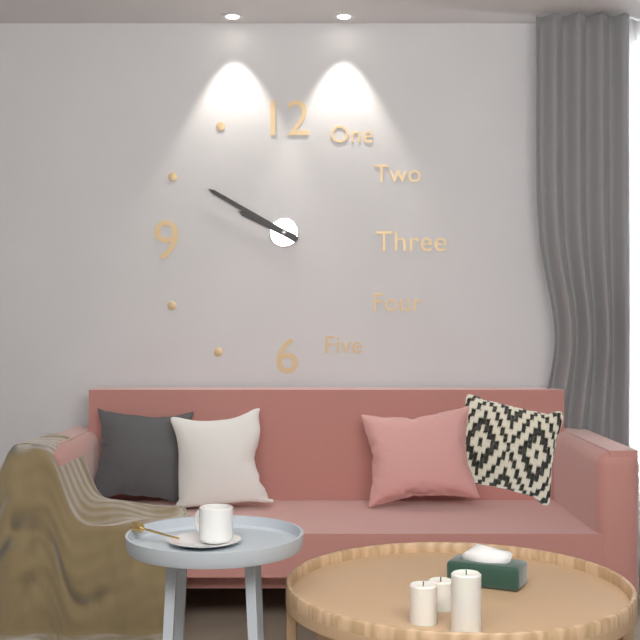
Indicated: 9,50
